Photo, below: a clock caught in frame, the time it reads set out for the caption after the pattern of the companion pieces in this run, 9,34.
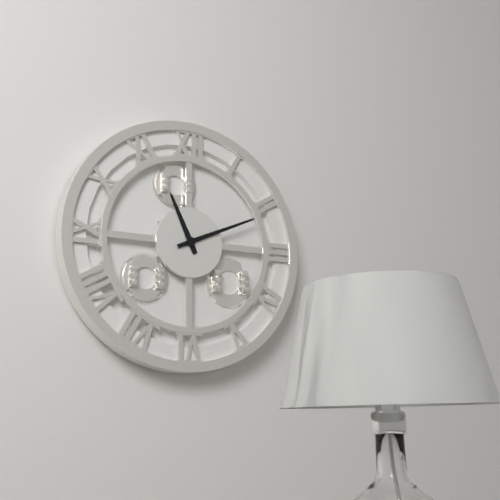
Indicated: 11,11
